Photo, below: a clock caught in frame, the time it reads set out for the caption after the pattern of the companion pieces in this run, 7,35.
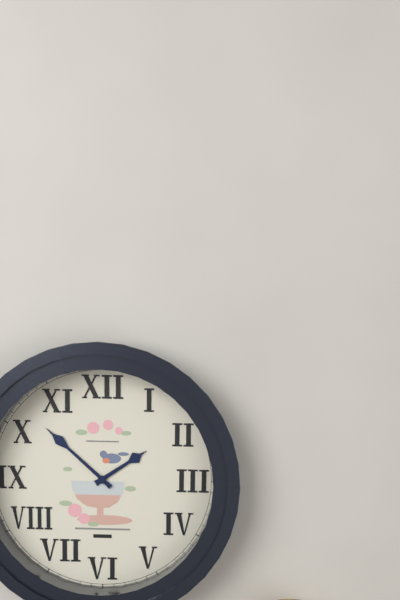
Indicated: 1,52
